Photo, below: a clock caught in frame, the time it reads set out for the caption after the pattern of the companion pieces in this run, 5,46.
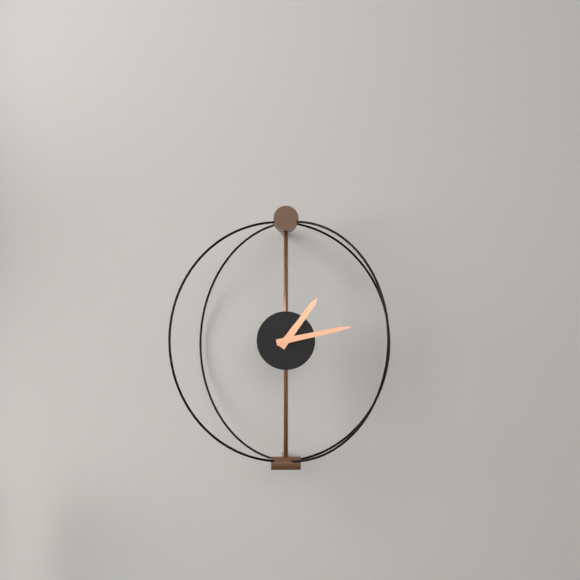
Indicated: 1,13
